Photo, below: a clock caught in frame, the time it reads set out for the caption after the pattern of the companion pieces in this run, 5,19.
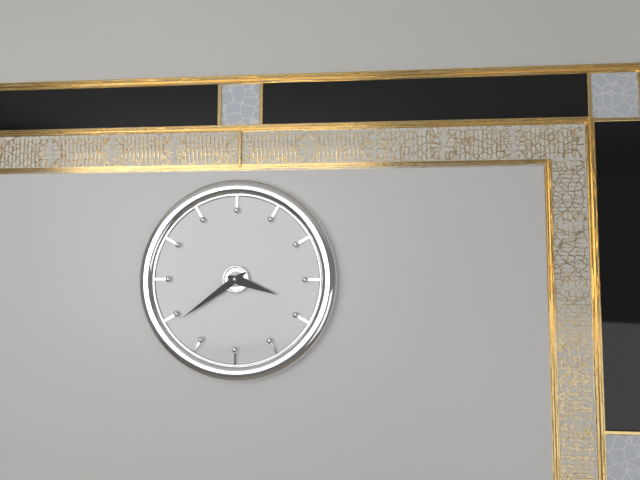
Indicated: 3,39
